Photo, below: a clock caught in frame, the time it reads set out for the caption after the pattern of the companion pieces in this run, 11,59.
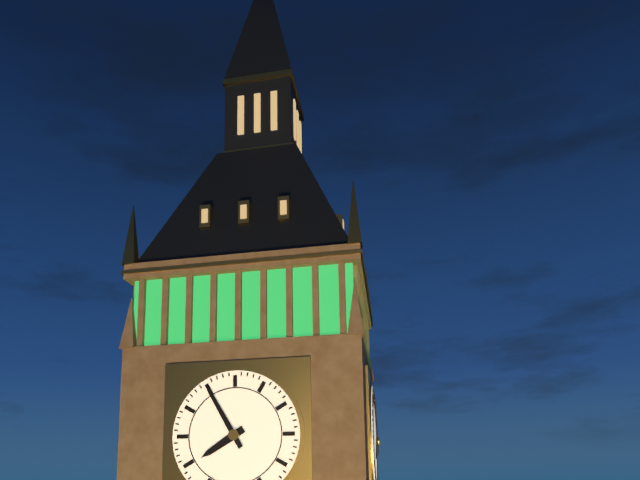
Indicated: 7,55
